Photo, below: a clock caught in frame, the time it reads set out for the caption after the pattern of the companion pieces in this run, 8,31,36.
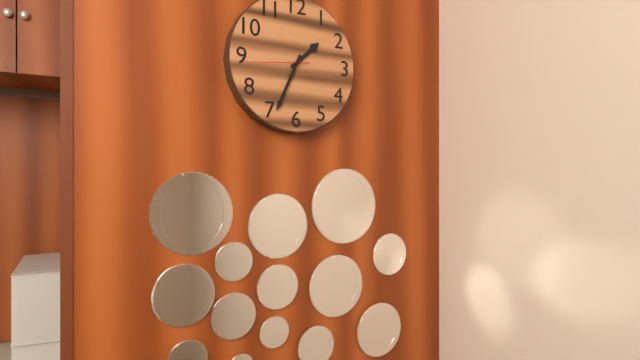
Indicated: 1,34,44
